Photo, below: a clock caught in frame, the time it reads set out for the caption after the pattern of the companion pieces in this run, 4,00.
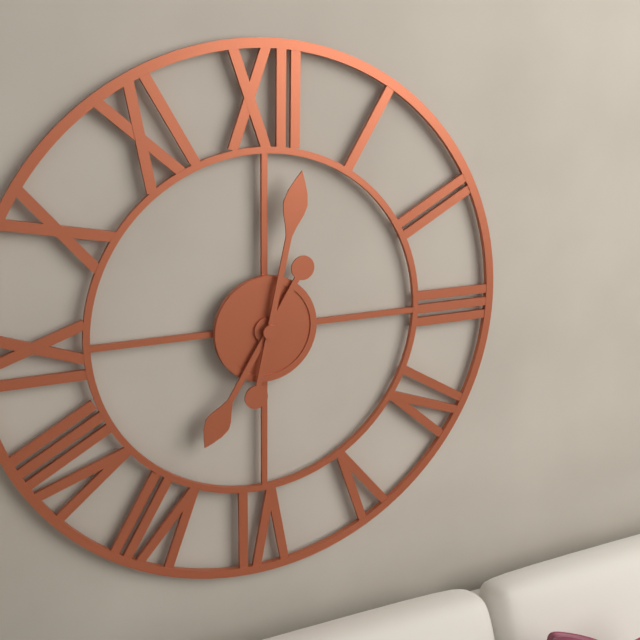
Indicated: 7,02
